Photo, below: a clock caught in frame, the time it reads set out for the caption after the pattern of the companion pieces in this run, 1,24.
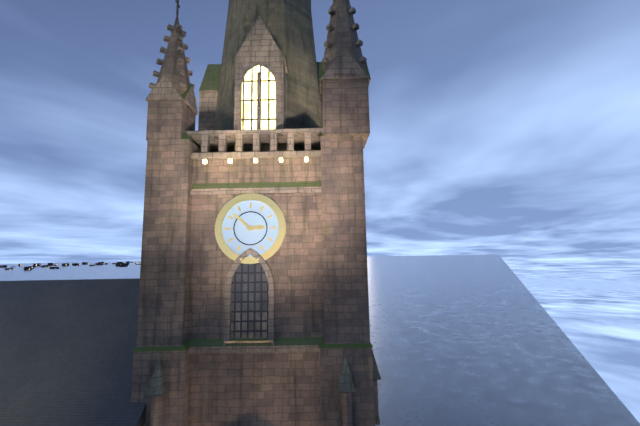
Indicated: 2,52
